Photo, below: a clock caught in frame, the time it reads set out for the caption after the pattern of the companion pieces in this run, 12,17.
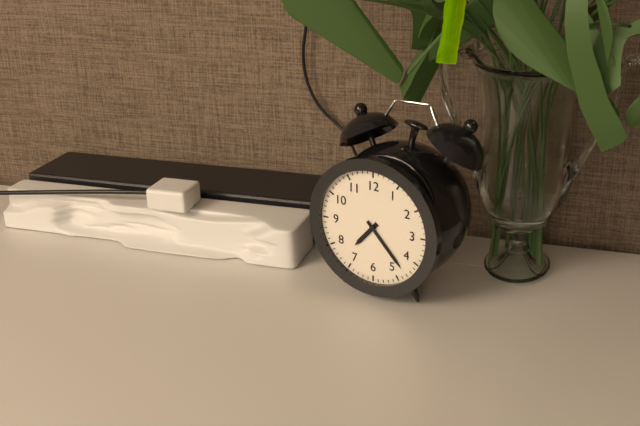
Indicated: 7,23
